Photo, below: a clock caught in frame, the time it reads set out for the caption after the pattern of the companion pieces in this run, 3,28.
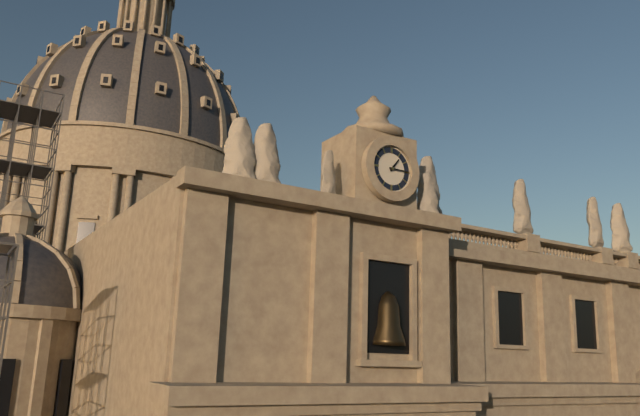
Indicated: 1,15
